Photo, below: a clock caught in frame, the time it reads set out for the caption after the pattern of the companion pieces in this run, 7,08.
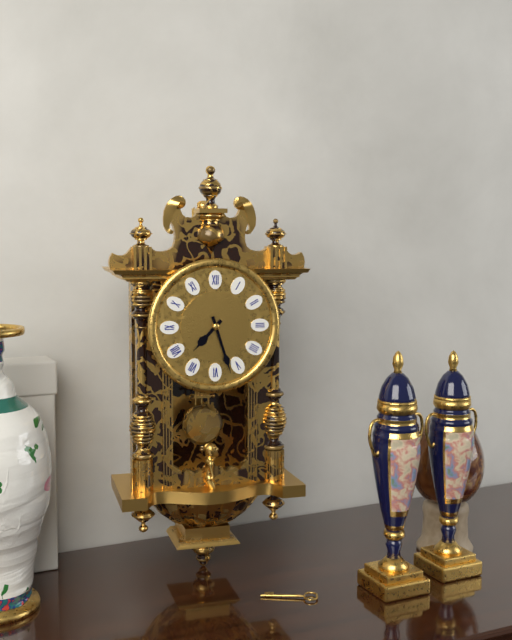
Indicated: 7,27
